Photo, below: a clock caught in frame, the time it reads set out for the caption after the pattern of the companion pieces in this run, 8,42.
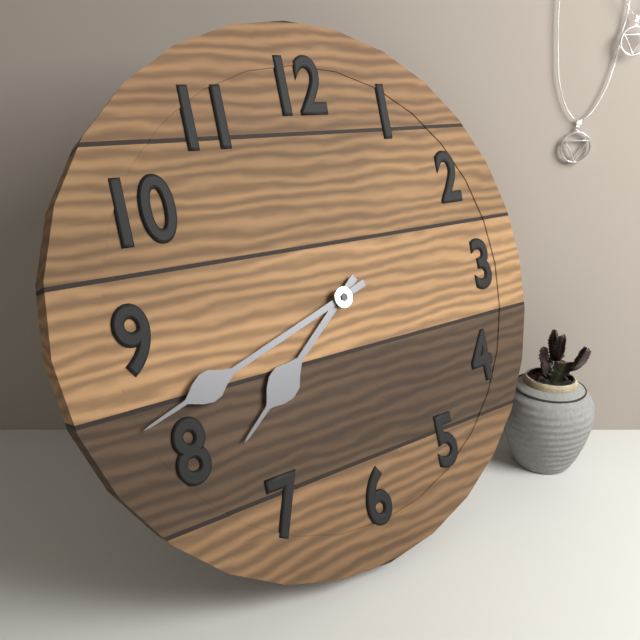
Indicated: 7,42
